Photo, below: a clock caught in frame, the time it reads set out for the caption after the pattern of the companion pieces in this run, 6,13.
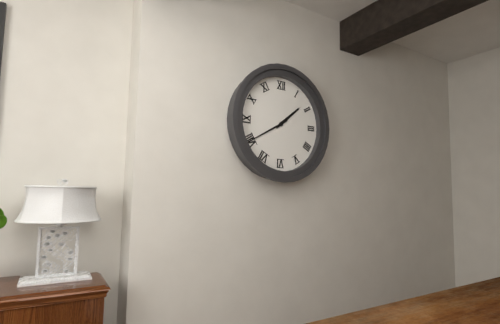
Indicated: 1,40
